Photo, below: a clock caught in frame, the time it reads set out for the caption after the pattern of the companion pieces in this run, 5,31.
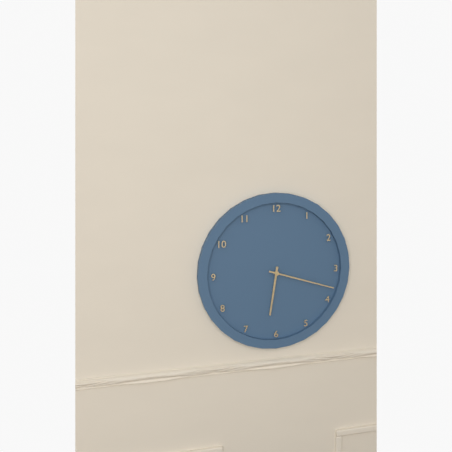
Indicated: 6,18
